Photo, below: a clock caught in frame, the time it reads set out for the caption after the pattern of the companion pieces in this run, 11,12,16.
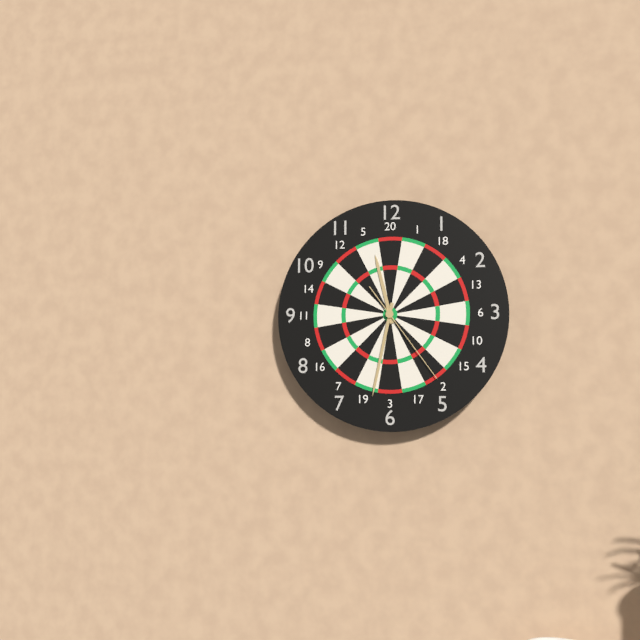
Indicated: 11,32,24
